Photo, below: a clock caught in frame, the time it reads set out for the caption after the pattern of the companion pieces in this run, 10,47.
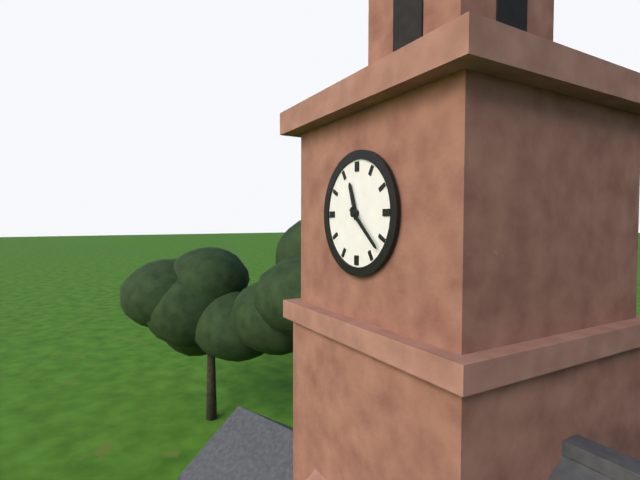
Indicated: 11,22
